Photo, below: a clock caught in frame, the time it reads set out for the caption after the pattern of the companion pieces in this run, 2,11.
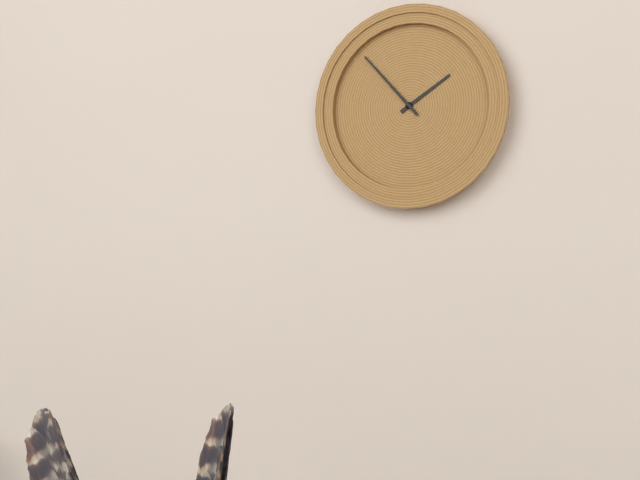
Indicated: 1,53
